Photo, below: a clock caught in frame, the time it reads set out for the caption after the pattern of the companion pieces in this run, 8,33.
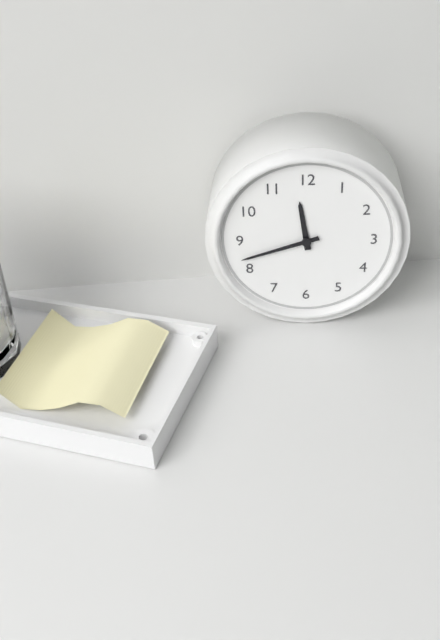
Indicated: 11,42
